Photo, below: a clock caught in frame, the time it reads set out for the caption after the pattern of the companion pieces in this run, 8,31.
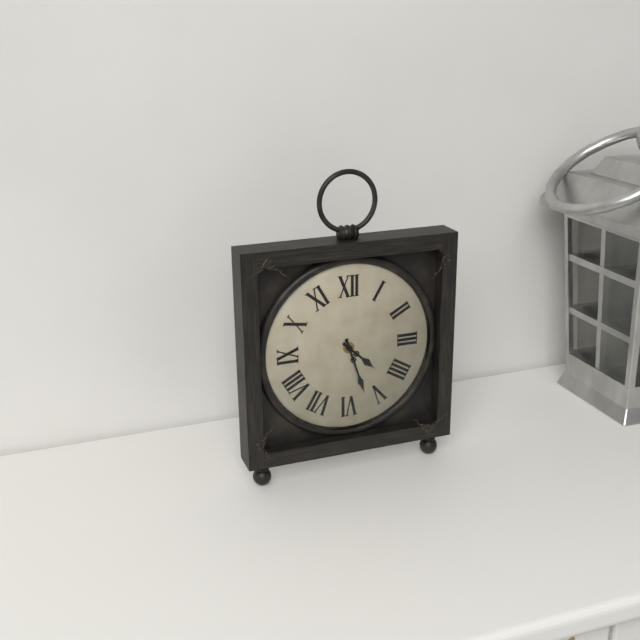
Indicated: 4,27
